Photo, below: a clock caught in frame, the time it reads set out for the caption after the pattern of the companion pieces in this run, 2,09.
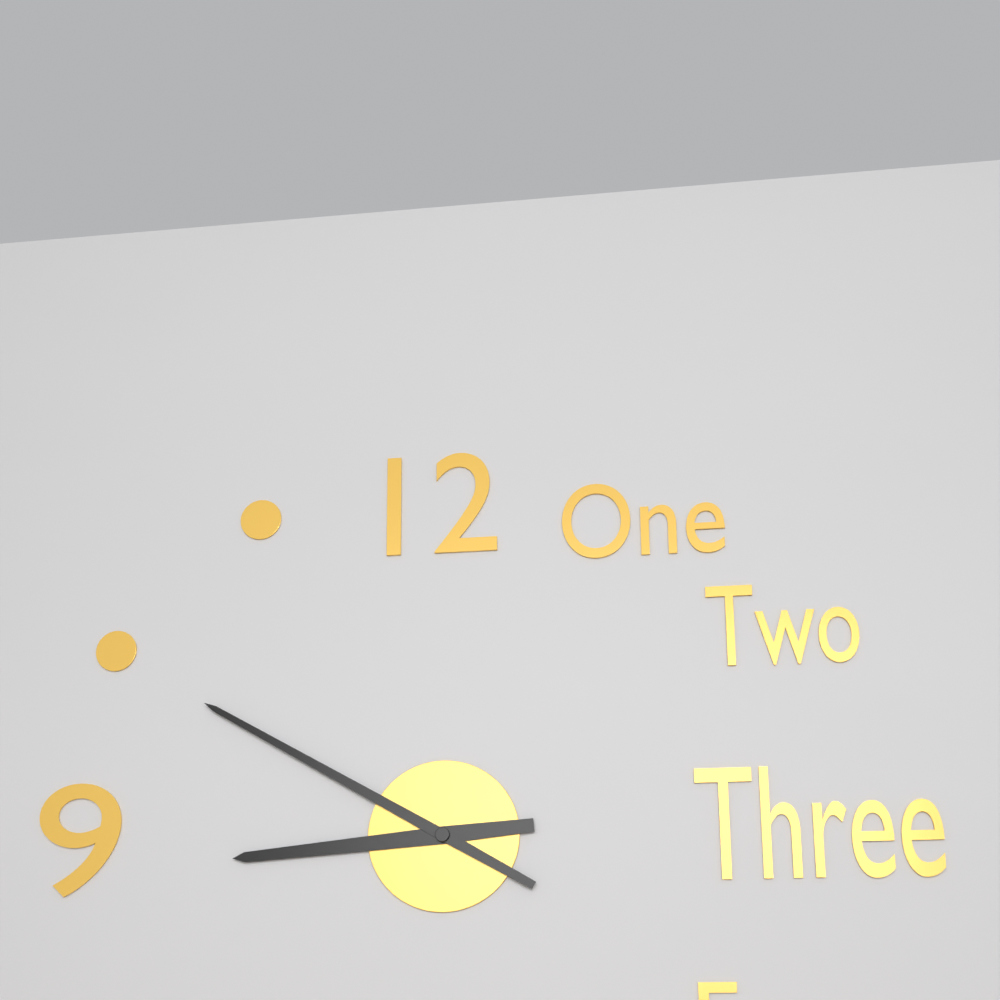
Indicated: 8,50
